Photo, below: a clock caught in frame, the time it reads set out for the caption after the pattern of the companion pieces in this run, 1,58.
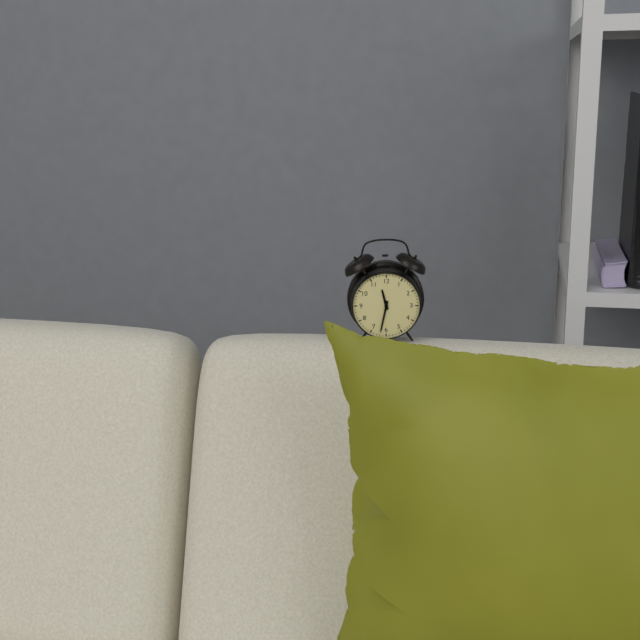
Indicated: 11,32
